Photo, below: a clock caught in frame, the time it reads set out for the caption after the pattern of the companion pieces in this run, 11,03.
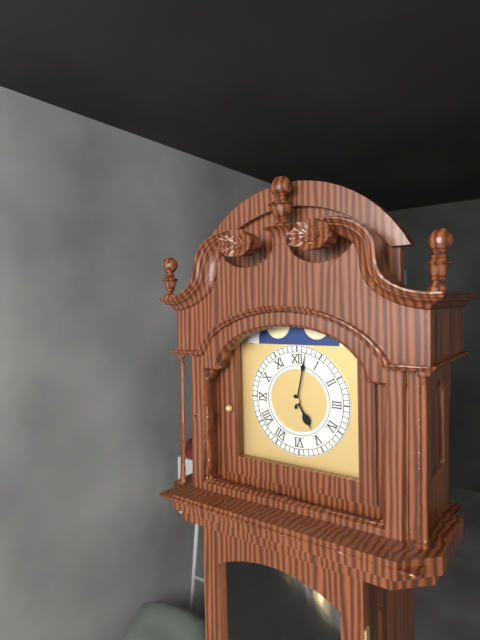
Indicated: 5,02
